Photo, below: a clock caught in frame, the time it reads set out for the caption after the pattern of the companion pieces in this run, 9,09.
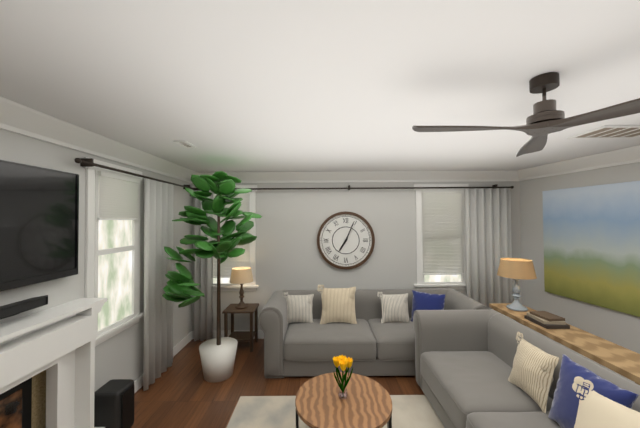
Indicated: 7,04
